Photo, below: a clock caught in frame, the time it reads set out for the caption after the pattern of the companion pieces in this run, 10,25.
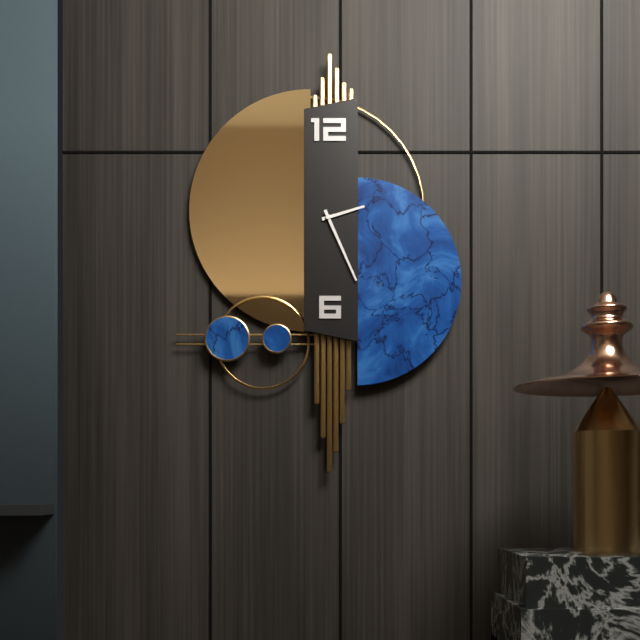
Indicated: 2,26
